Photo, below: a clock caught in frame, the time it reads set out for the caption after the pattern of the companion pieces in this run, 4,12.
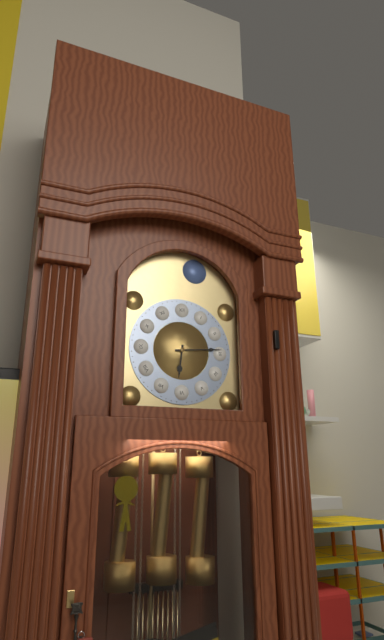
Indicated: 6,14
